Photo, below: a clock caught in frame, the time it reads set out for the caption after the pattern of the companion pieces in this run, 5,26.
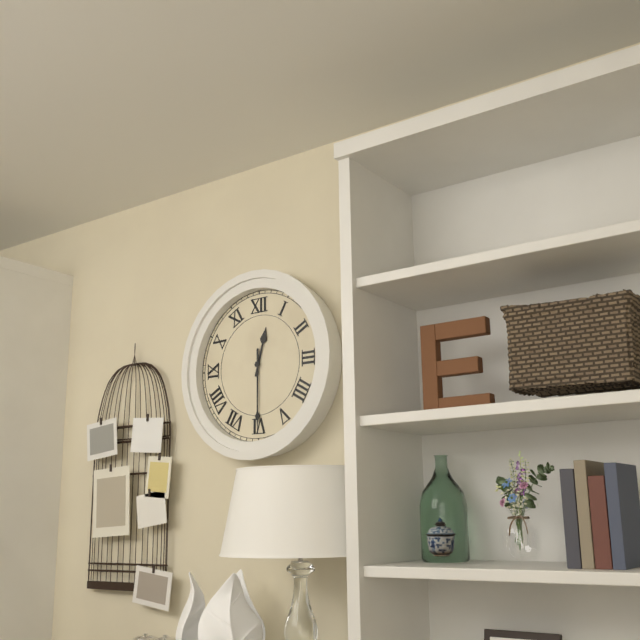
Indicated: 12,30
